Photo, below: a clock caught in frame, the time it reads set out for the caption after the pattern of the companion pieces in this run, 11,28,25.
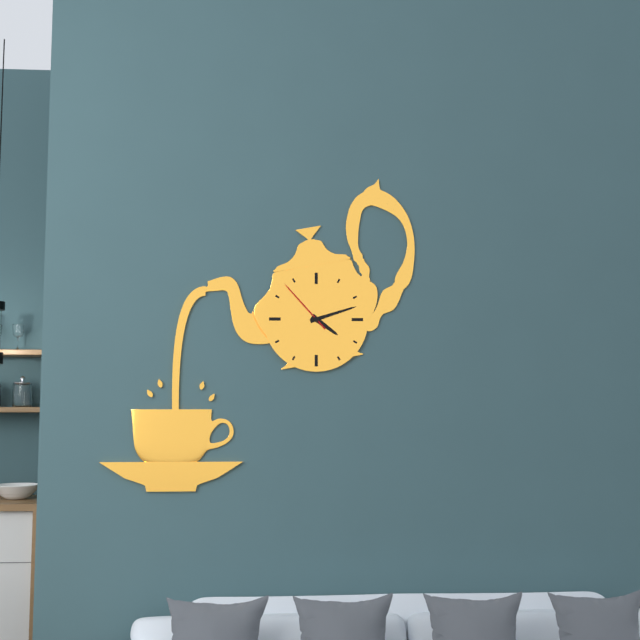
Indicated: 4,12,53
